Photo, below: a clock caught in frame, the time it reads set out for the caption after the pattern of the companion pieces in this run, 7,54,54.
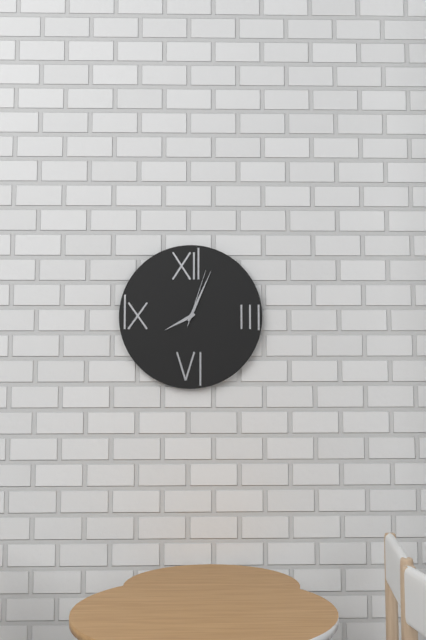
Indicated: 8,04,03
